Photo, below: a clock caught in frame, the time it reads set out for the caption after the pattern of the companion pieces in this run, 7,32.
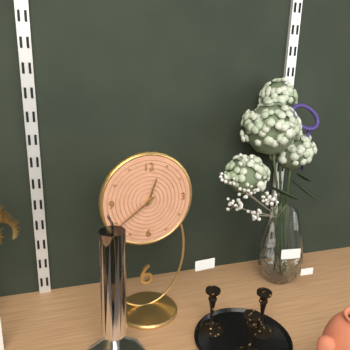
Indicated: 12,39
